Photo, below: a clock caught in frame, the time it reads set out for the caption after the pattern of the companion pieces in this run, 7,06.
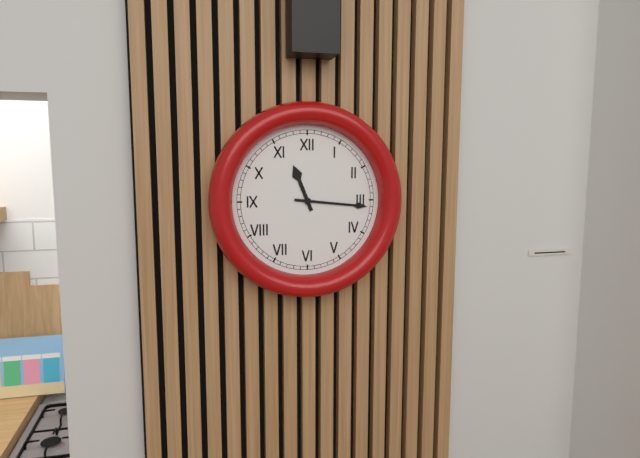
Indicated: 11,16
